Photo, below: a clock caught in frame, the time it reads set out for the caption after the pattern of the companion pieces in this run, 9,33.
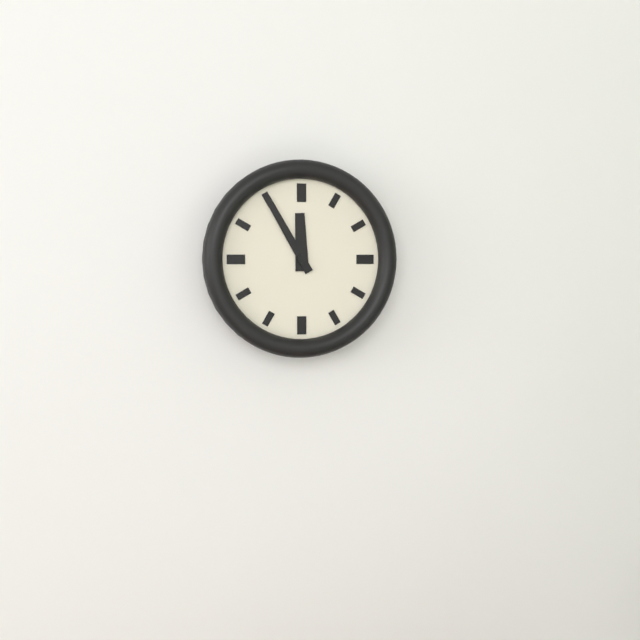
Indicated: 11,55
